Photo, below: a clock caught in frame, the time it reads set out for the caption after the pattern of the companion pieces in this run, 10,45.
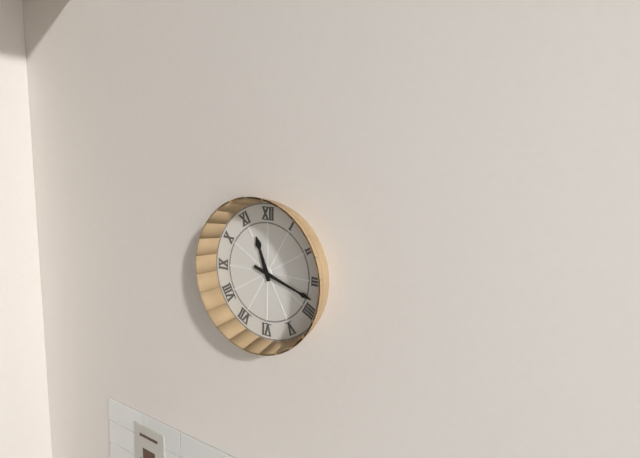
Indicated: 11,18
